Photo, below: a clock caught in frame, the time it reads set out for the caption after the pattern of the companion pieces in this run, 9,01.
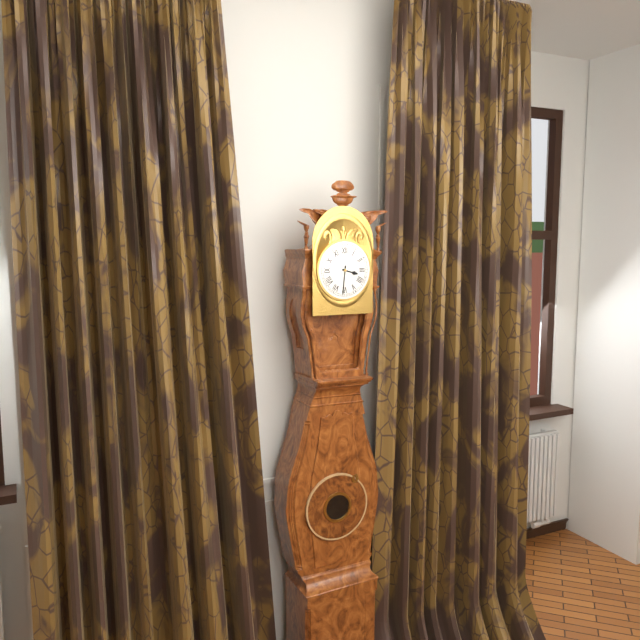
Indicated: 3,31
